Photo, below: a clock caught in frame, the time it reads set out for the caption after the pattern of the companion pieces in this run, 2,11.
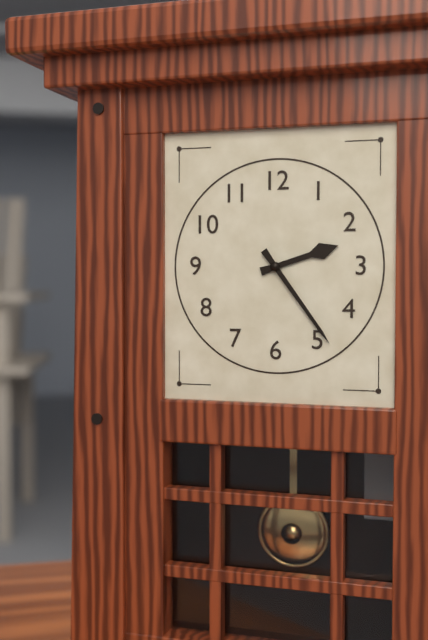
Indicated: 2,24
